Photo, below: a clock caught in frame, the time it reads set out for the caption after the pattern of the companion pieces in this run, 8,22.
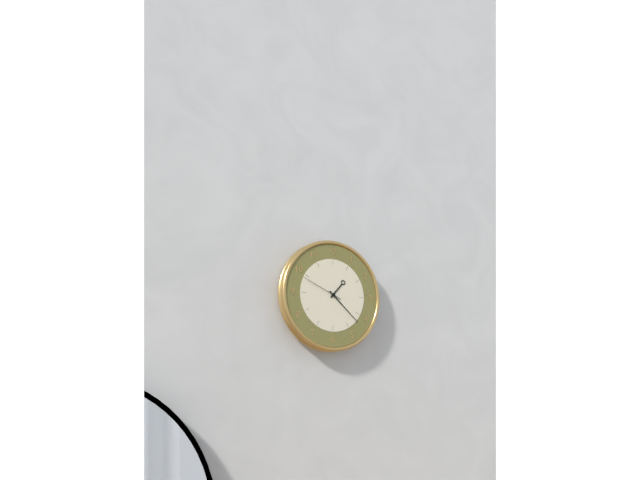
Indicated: 1,22
